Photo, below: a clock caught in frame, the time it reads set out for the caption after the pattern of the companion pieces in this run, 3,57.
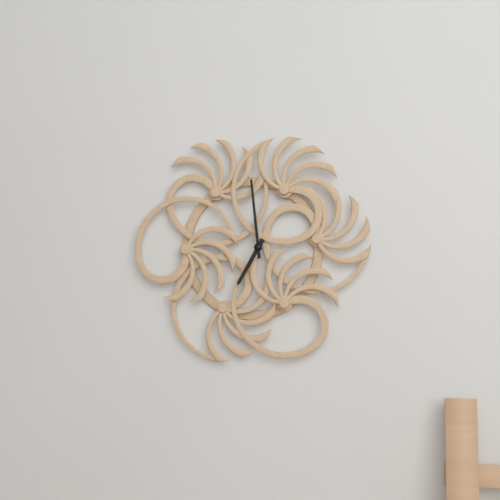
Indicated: 6,59
